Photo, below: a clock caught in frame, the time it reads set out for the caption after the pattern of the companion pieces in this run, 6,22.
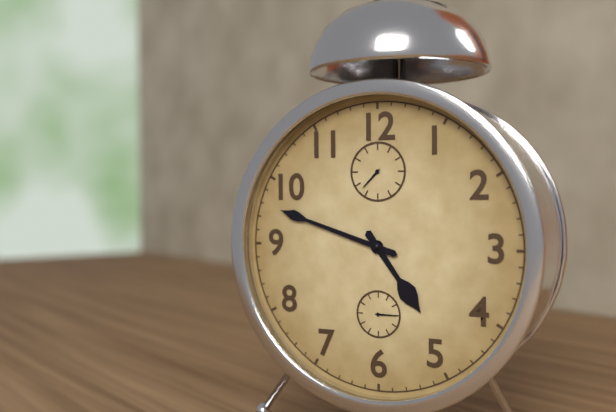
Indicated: 4,48
